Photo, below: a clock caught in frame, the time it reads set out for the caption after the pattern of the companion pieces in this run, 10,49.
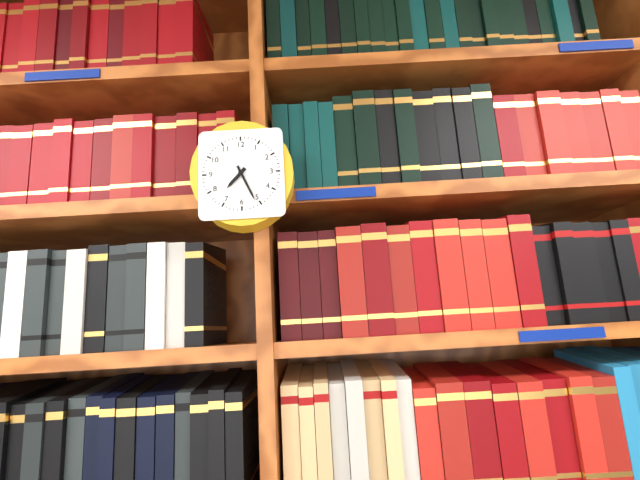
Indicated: 7,26
